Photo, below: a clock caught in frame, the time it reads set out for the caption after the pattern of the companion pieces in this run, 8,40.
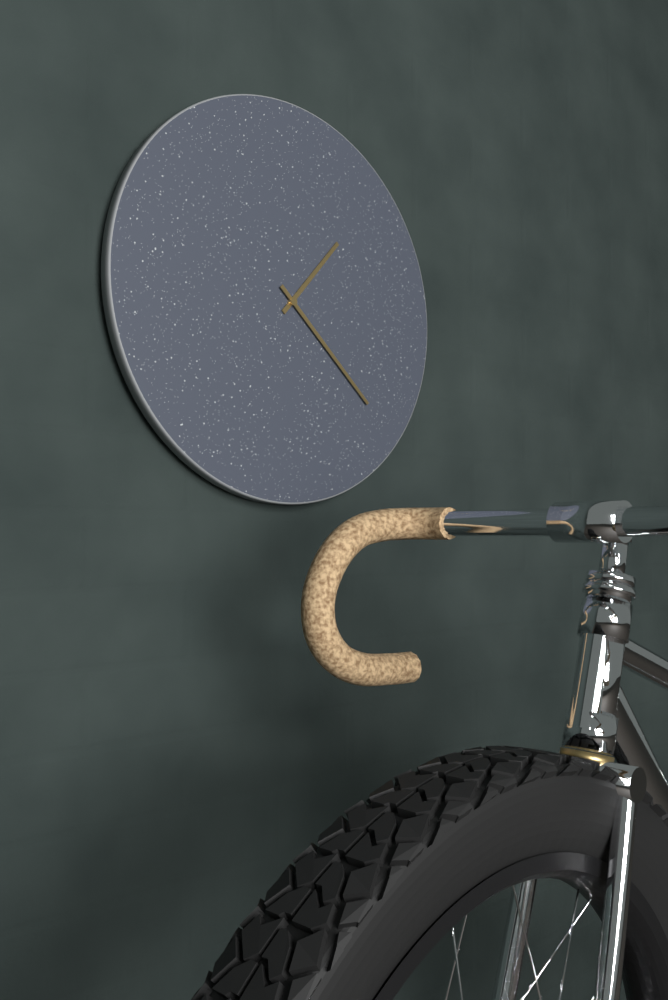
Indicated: 1,22
